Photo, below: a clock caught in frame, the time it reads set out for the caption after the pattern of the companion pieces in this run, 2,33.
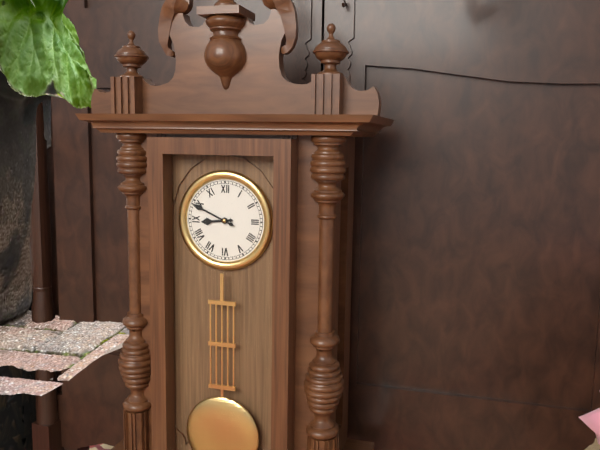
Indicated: 8,49
